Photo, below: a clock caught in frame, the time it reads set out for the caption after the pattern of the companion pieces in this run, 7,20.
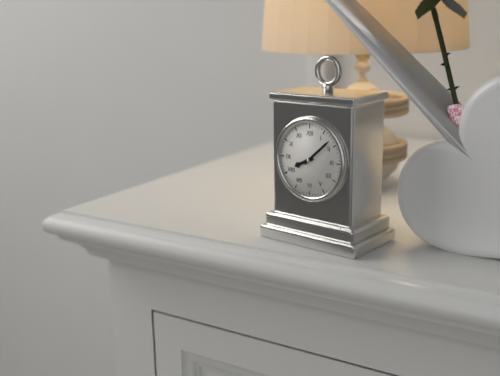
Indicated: 8,08
